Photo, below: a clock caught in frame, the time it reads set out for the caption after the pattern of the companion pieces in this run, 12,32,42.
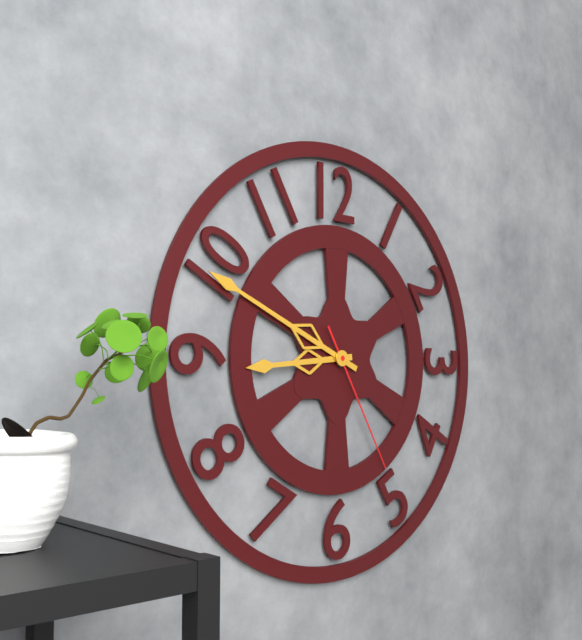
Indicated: 8,49,25
